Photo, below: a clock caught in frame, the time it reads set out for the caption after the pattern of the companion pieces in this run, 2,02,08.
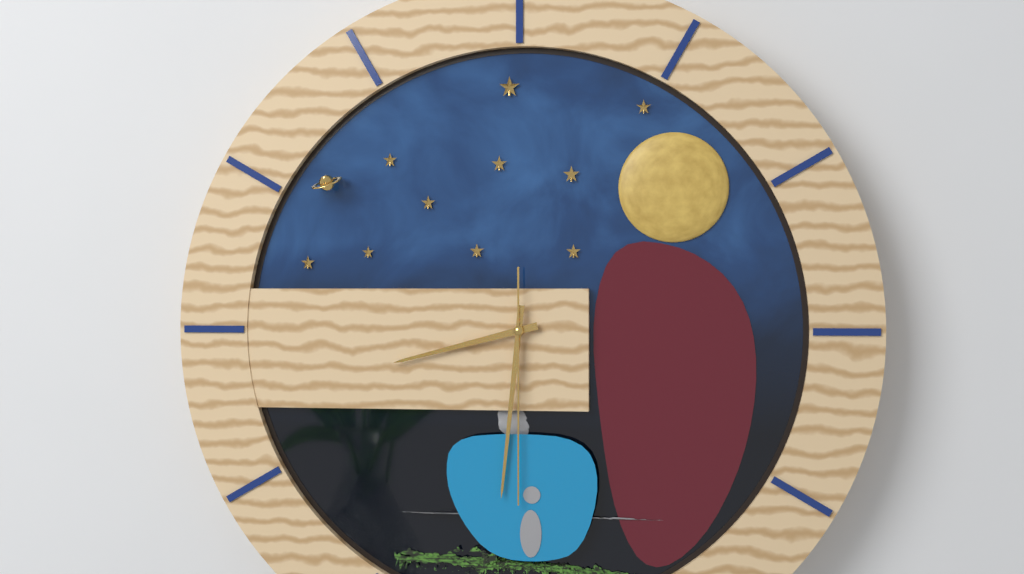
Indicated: 8,31,30
